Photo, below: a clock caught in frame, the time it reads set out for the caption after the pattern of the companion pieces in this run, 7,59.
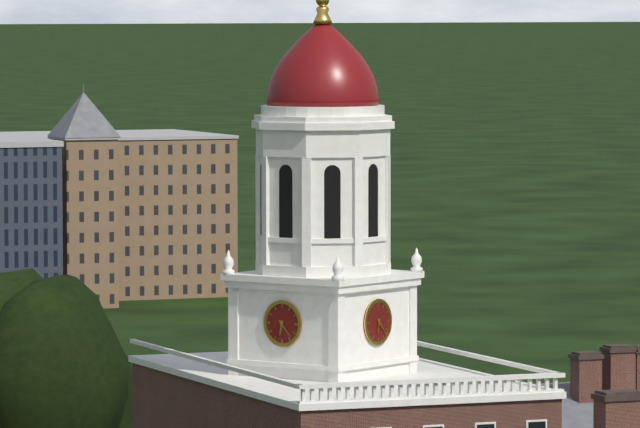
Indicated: 6,23
